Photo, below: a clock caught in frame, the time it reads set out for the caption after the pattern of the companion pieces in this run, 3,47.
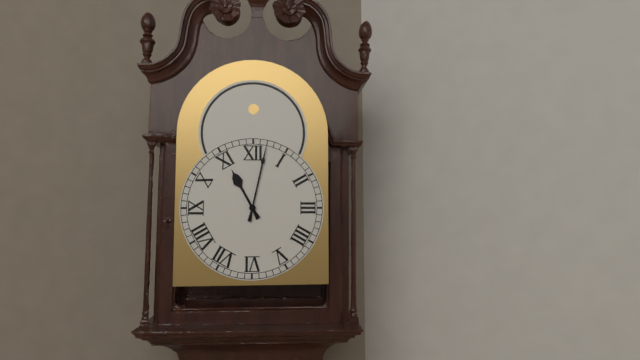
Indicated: 11,02
